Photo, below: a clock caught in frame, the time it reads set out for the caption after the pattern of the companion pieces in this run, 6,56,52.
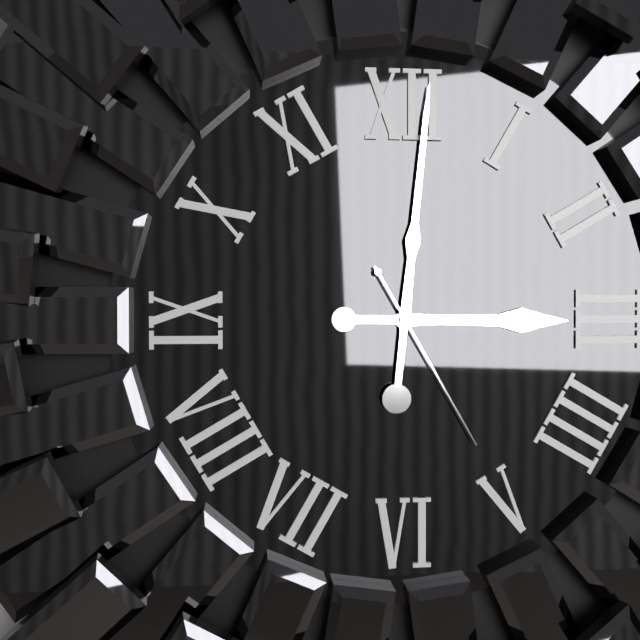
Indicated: 3,01,25
